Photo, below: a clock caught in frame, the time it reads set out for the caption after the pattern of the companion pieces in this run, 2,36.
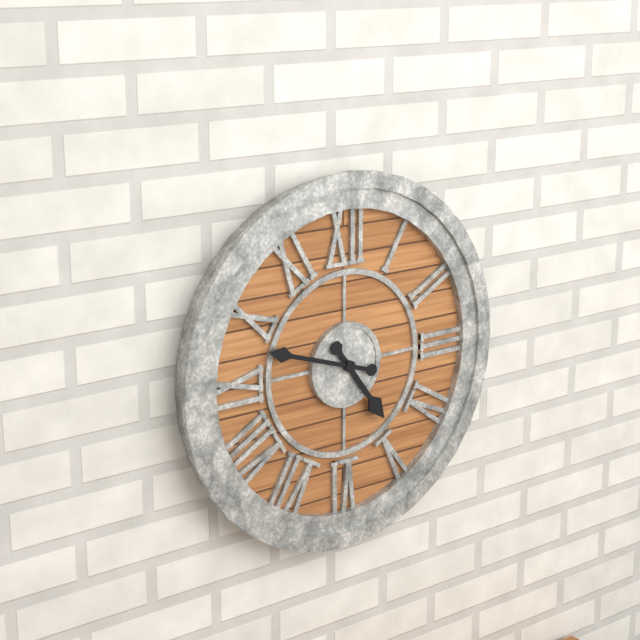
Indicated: 4,48
